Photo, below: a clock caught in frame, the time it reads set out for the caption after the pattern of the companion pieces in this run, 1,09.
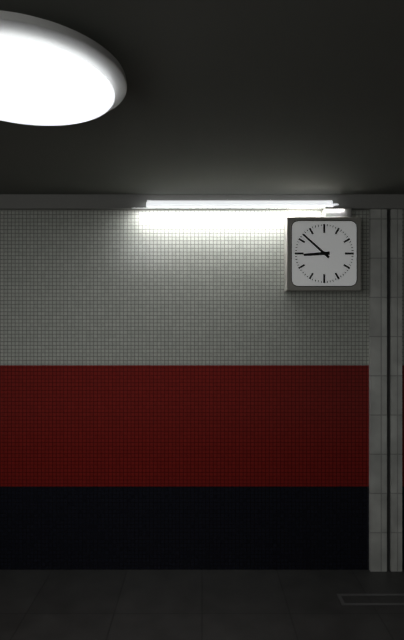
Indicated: 8,52
